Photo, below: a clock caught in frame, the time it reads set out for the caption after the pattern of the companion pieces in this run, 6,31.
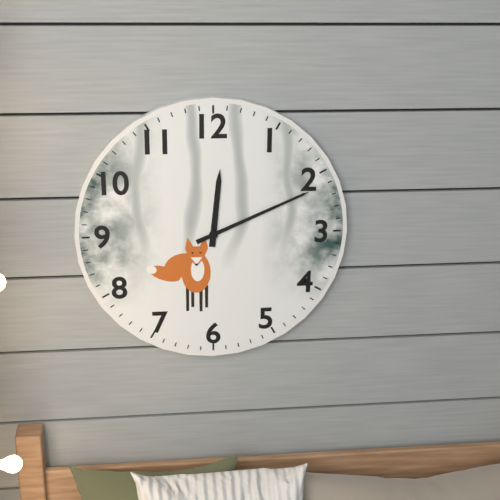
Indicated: 12,11
